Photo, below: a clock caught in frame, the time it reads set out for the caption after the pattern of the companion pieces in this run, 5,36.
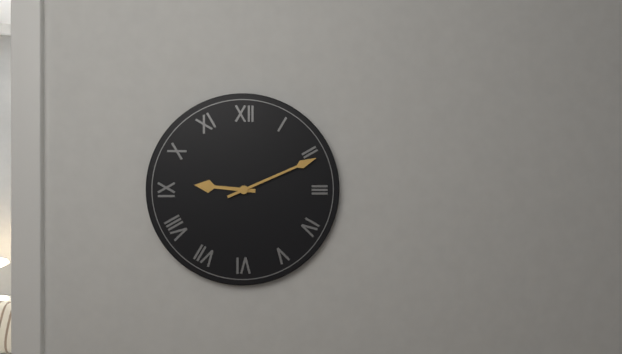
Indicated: 9,11
